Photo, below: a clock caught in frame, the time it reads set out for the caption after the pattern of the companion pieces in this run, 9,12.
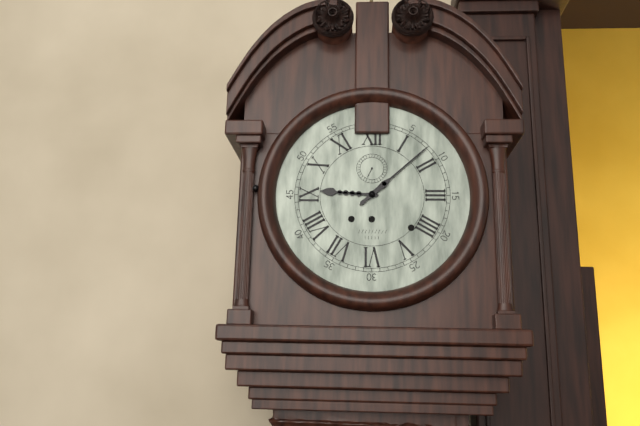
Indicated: 9,08
